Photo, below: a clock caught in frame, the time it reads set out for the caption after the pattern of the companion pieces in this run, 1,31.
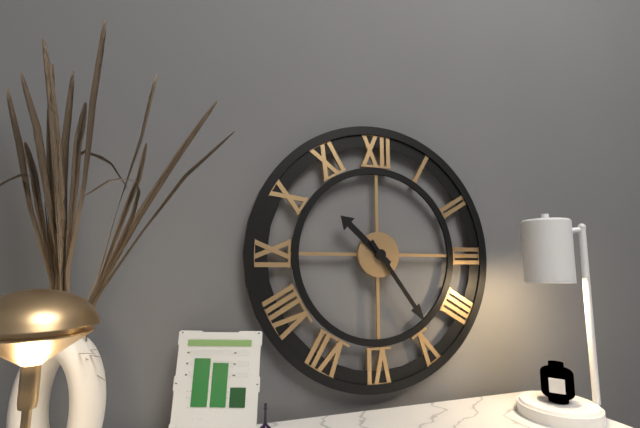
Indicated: 10,24
